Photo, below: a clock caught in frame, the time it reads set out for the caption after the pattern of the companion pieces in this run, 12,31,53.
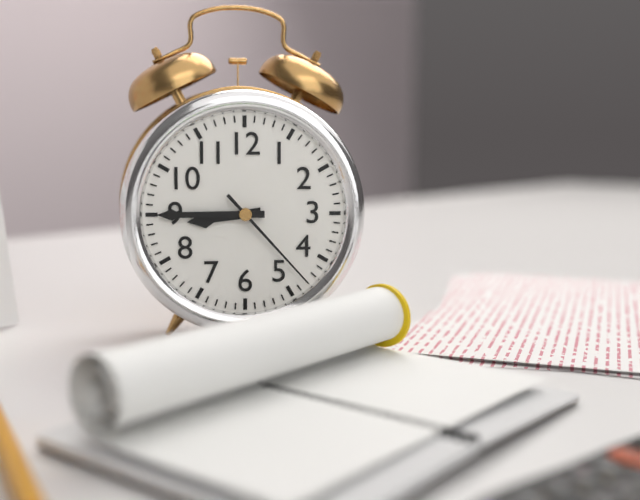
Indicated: 8,45,23
